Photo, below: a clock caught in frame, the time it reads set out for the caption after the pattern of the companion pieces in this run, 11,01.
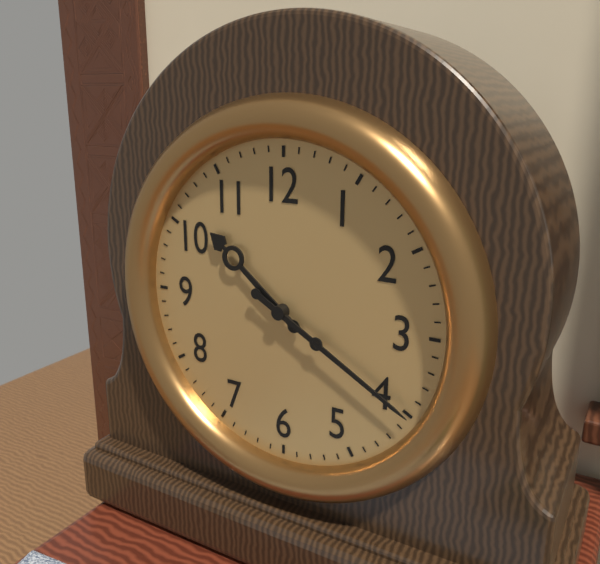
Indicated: 10,20
